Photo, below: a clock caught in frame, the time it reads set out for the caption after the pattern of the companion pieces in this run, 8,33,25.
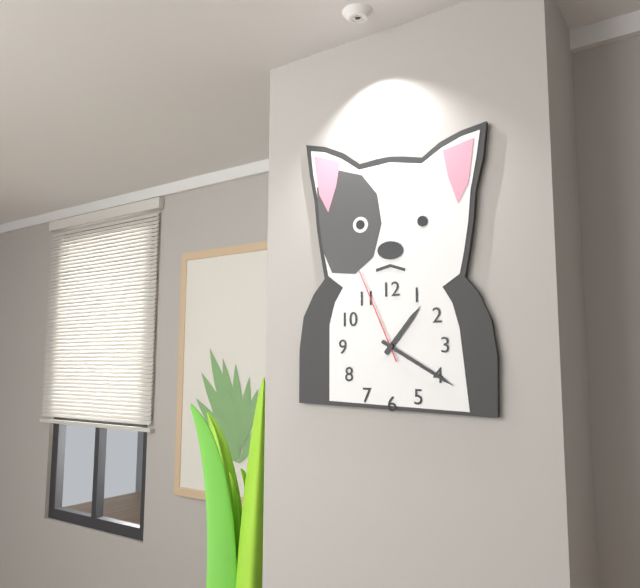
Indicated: 1,20,56
